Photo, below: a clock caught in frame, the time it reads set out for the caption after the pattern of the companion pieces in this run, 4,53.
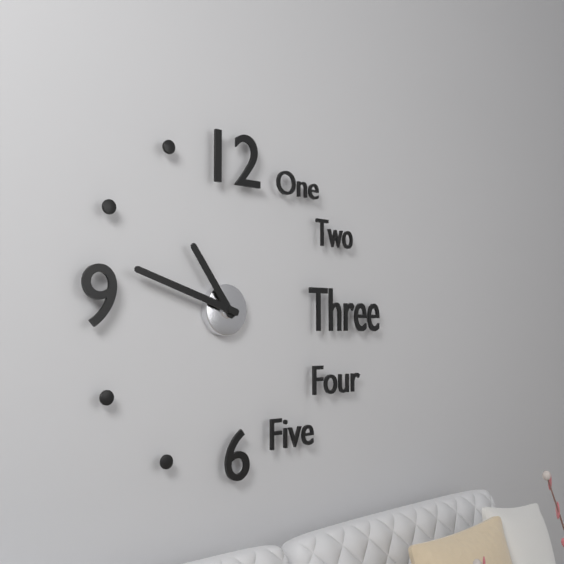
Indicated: 10,48
